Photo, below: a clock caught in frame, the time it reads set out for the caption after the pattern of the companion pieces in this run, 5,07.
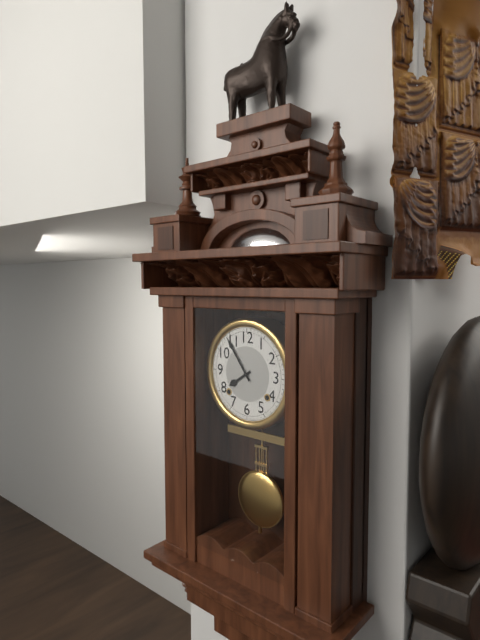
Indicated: 7,54
